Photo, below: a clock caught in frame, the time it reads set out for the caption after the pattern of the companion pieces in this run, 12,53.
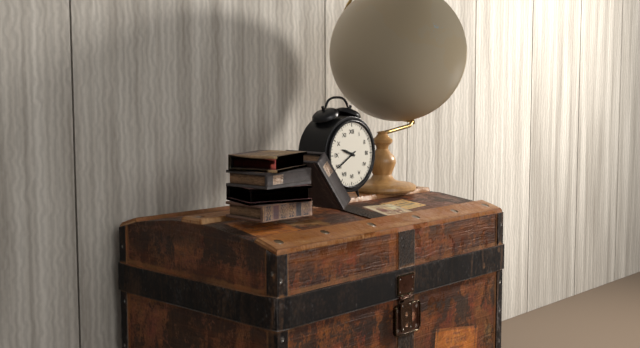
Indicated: 9,40
